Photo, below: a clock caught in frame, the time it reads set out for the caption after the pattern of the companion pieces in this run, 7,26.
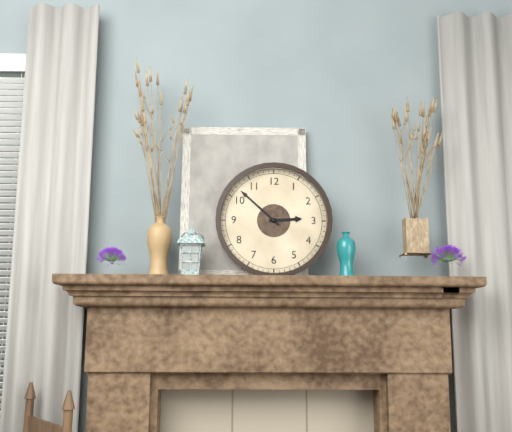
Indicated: 2,52
